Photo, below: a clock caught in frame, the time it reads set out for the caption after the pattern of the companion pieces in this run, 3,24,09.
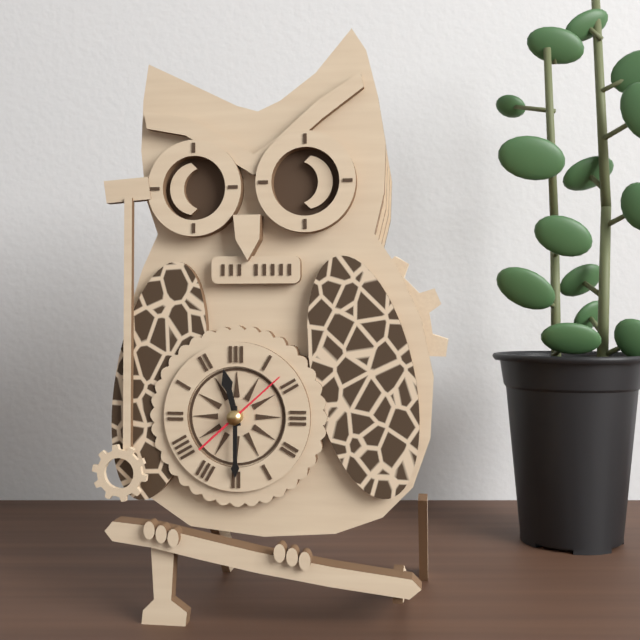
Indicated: 11,30,08
